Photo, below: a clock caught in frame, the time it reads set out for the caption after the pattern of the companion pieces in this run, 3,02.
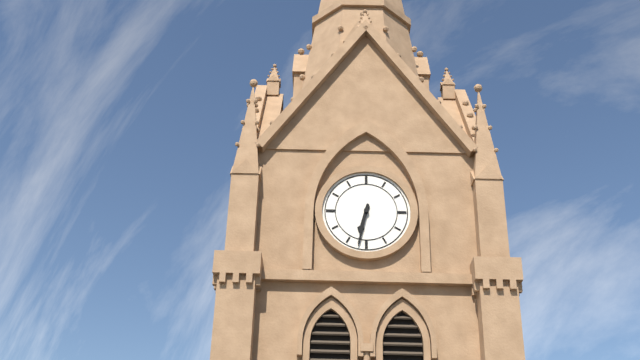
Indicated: 6,32
